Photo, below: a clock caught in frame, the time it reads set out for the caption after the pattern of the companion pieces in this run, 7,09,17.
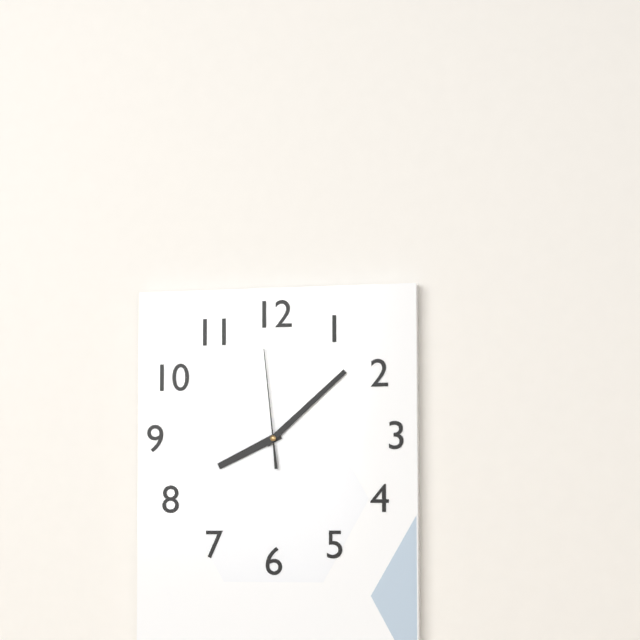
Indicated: 8,08,59
